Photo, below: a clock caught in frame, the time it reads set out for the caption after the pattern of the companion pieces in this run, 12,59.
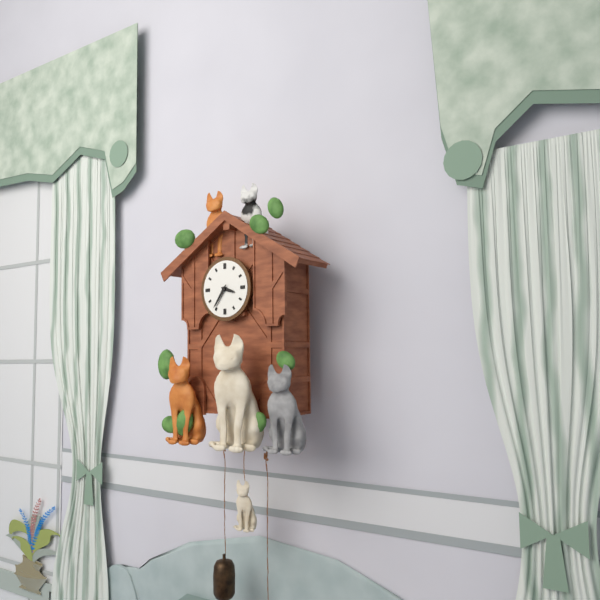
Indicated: 3,36
